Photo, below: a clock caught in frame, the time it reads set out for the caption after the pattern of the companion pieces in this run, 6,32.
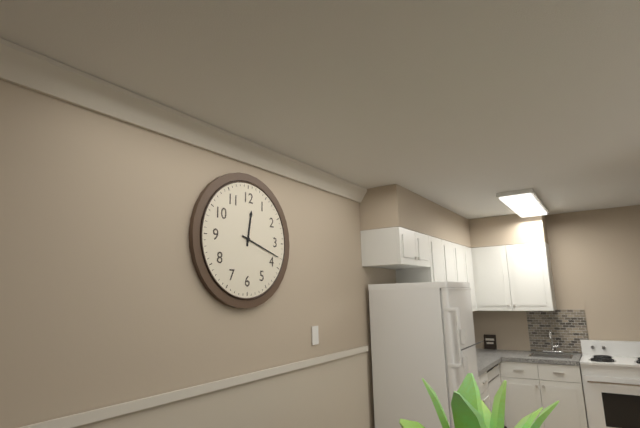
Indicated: 12,18
